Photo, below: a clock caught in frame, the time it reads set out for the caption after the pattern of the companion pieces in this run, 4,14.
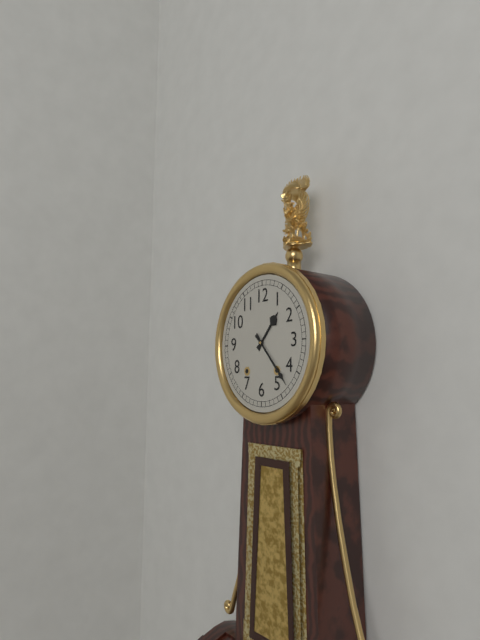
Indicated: 1,23
